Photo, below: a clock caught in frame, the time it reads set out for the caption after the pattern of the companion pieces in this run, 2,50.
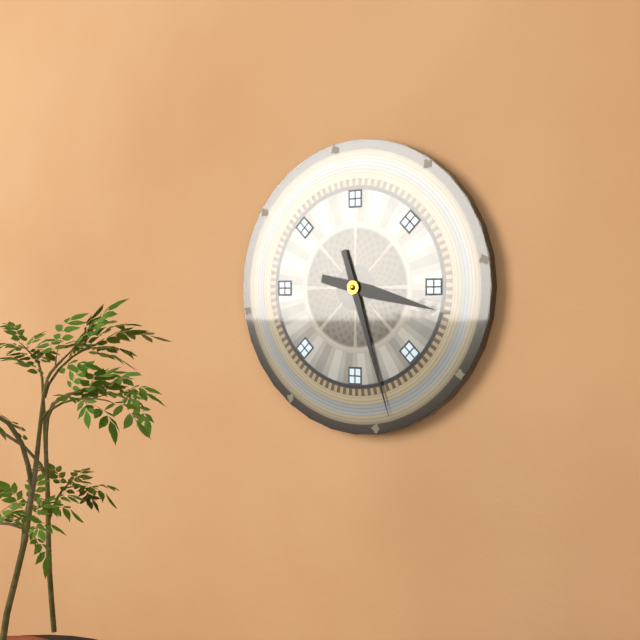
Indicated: 3,27
